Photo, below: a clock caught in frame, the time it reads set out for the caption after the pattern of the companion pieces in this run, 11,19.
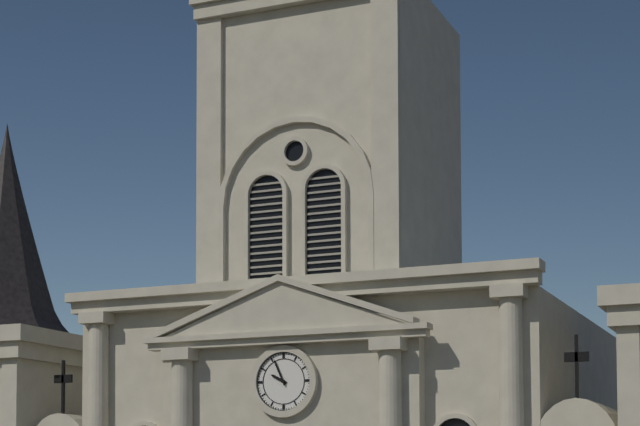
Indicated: 9,56
